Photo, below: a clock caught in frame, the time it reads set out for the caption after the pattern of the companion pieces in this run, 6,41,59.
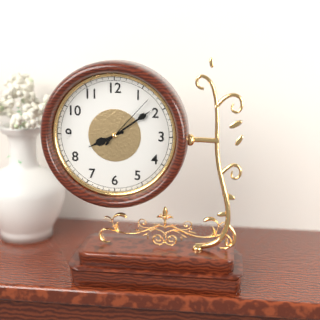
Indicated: 8,09,07
